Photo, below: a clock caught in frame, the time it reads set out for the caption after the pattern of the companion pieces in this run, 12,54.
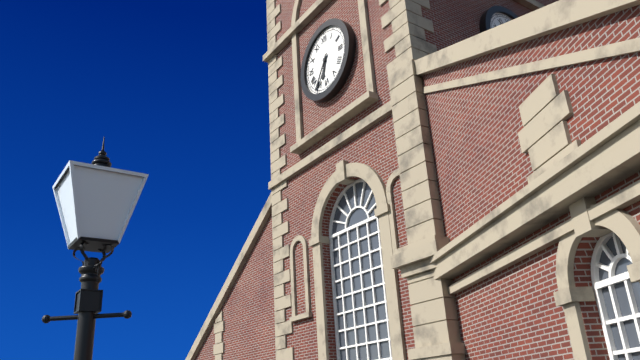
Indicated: 6,36
